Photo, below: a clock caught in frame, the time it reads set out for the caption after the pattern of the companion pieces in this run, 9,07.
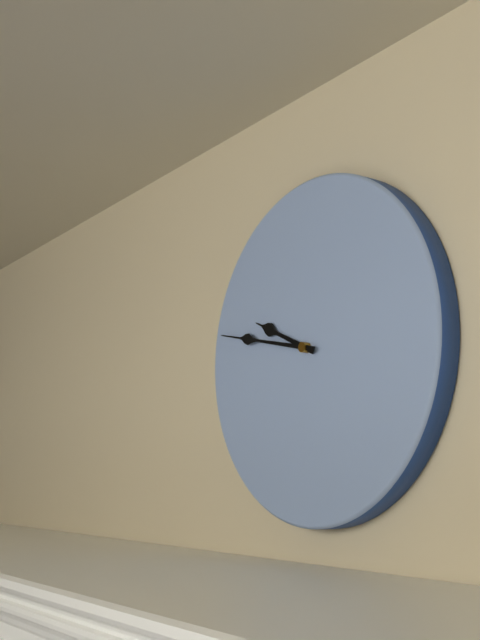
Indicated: 9,47
